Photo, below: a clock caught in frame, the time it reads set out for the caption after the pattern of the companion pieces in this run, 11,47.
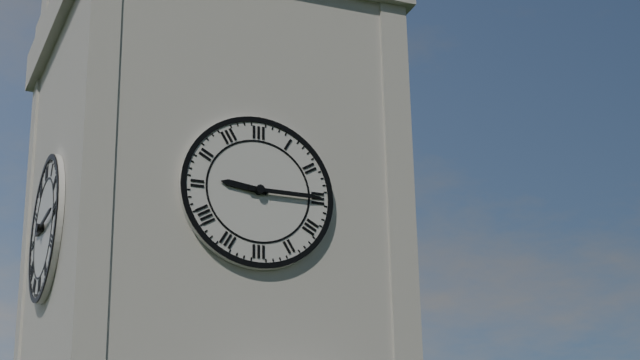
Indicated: 9,15
